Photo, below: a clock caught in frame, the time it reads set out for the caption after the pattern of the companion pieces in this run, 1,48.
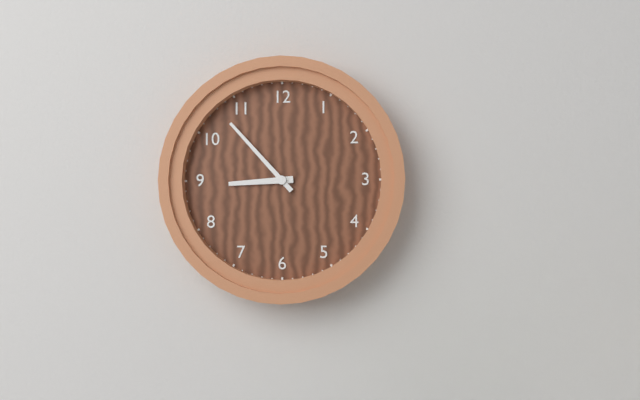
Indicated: 8,53
